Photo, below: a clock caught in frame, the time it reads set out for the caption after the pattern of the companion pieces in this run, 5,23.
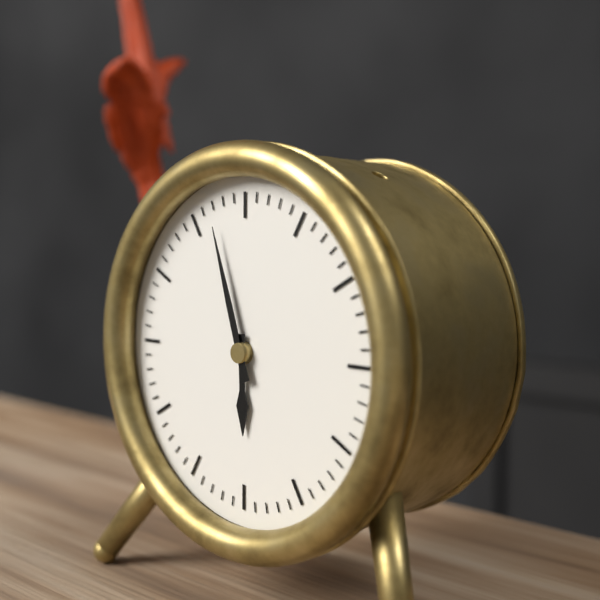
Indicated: 5,57
